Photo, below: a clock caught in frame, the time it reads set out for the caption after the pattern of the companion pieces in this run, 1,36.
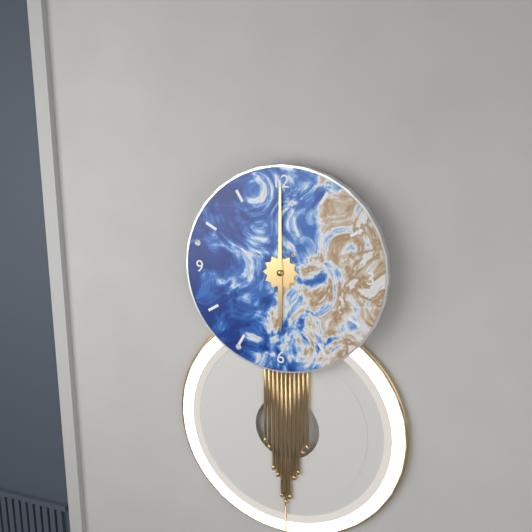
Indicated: 6,00
